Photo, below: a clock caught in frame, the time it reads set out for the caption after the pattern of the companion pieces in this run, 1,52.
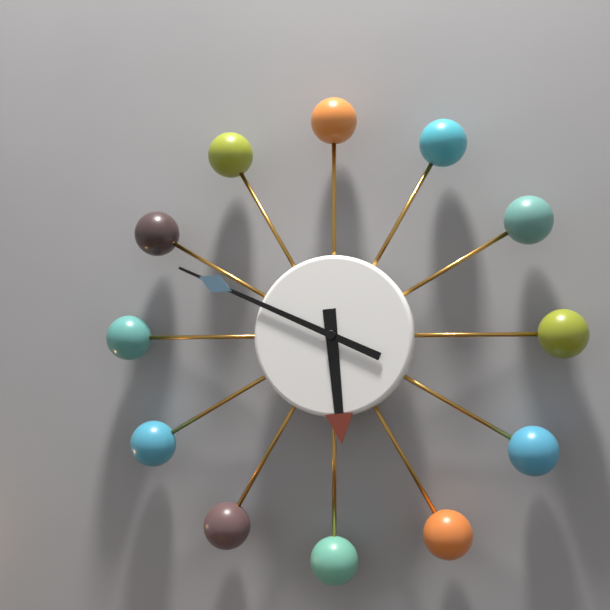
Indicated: 5,49
